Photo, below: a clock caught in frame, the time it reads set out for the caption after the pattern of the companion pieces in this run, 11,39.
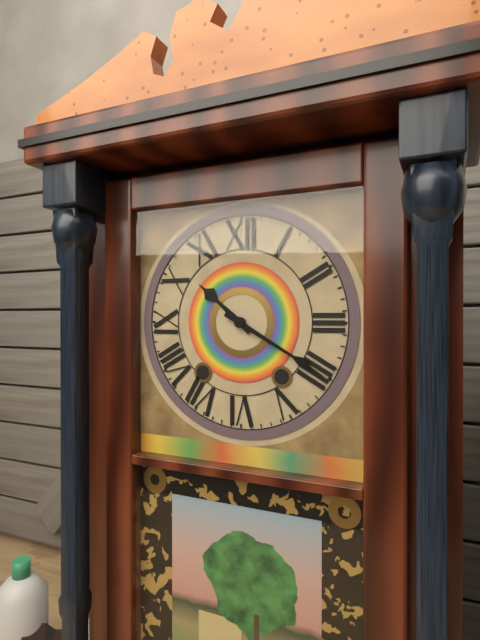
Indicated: 10,20
